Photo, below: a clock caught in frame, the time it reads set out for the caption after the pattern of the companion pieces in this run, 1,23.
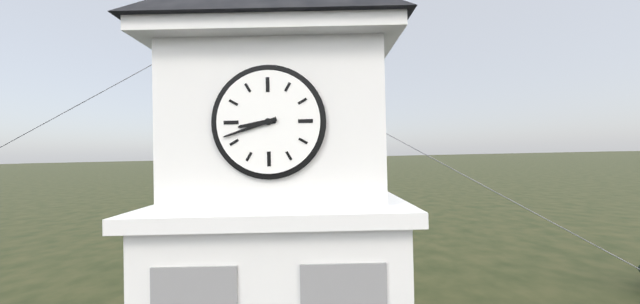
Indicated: 8,42
